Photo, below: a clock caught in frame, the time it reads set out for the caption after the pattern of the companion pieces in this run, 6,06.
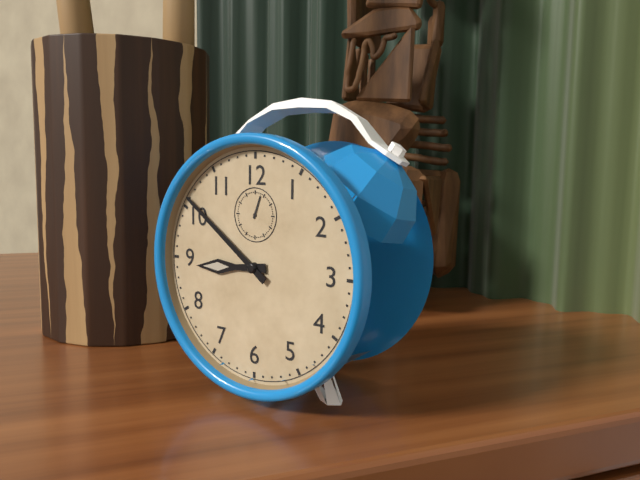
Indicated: 8,51
